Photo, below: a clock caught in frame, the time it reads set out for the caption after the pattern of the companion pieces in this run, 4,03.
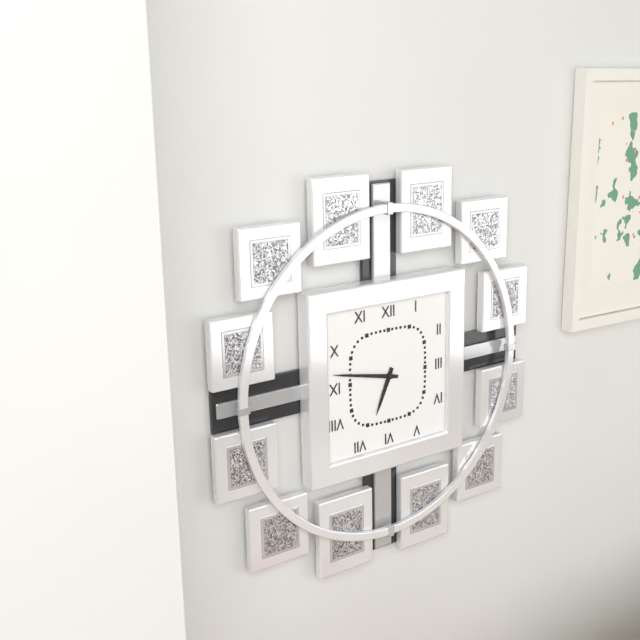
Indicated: 6,47
